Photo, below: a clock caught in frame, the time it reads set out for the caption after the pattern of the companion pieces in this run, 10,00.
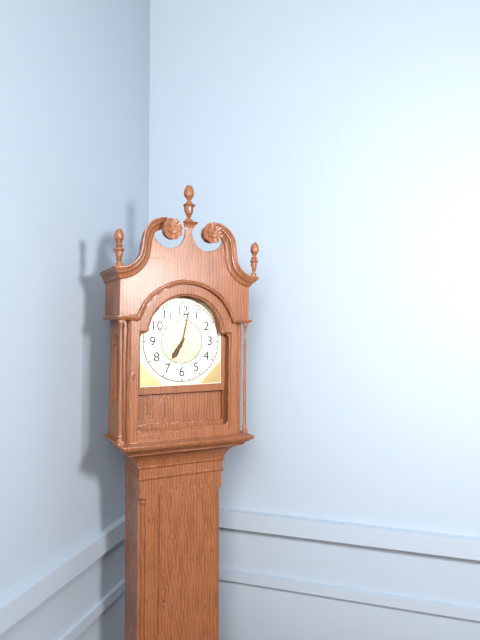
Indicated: 7,02
